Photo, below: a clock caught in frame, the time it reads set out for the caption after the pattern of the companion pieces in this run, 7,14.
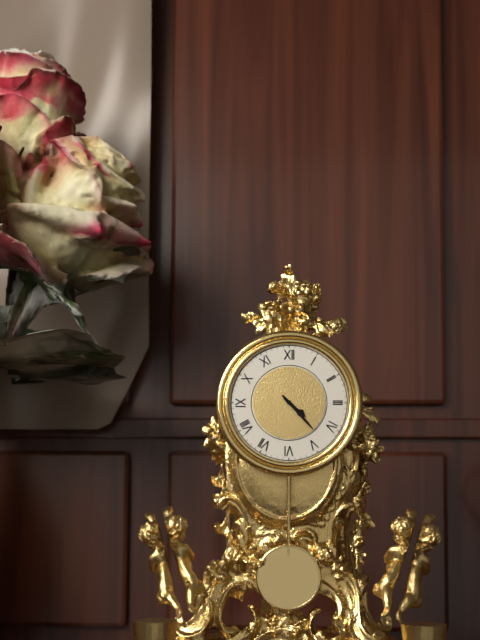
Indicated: 4,23
